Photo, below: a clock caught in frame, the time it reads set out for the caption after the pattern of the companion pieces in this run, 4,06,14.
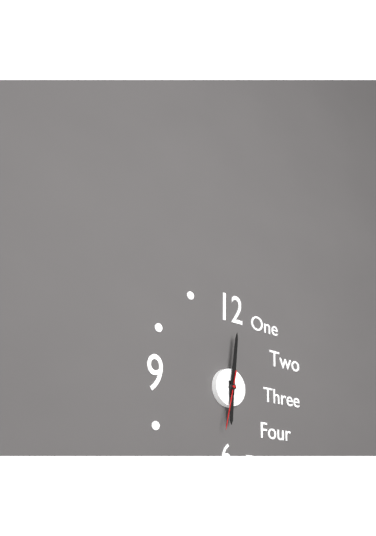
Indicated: 6,01,32
